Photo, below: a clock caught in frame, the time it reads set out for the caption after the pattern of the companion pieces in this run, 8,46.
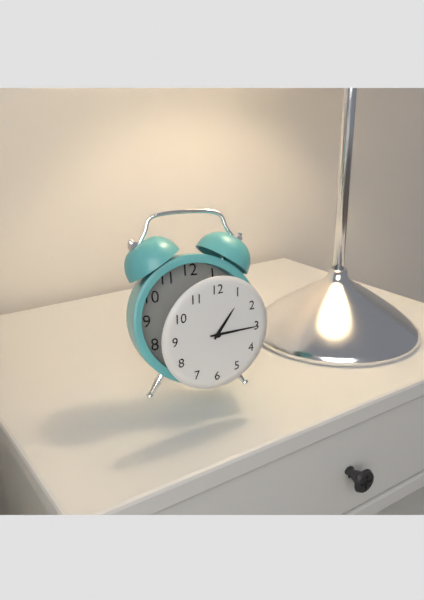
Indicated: 1,15
